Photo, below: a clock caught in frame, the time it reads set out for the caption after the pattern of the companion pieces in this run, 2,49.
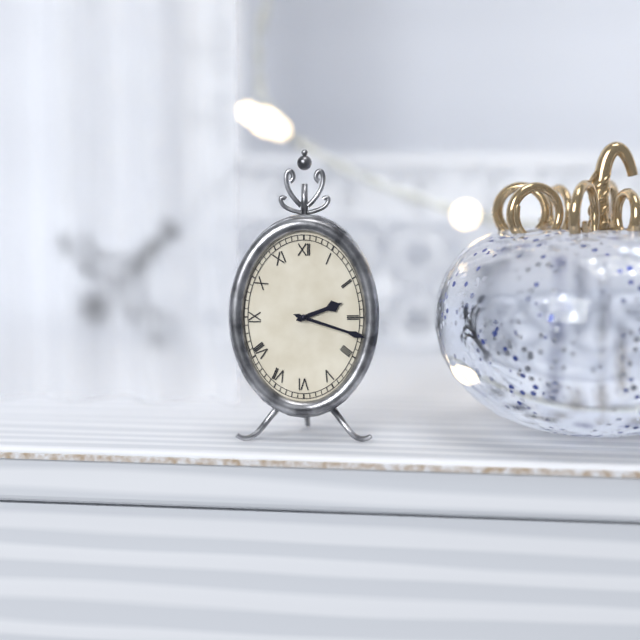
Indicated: 2,18
